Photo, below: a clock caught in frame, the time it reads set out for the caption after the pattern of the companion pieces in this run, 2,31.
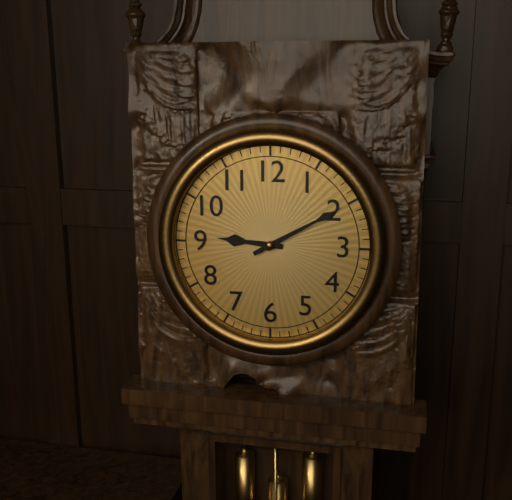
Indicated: 9,10
